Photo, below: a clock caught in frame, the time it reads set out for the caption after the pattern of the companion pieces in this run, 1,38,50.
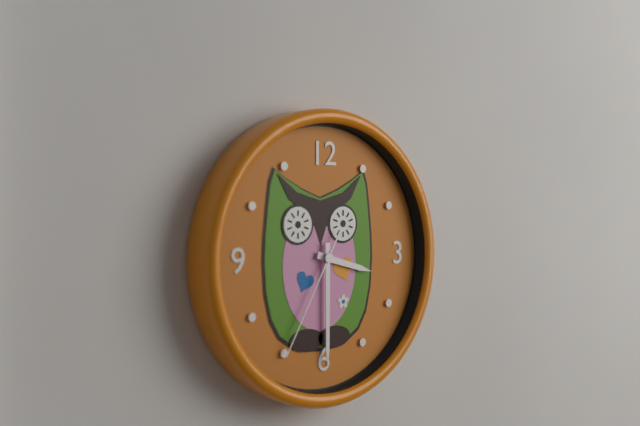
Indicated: 3,30,35
